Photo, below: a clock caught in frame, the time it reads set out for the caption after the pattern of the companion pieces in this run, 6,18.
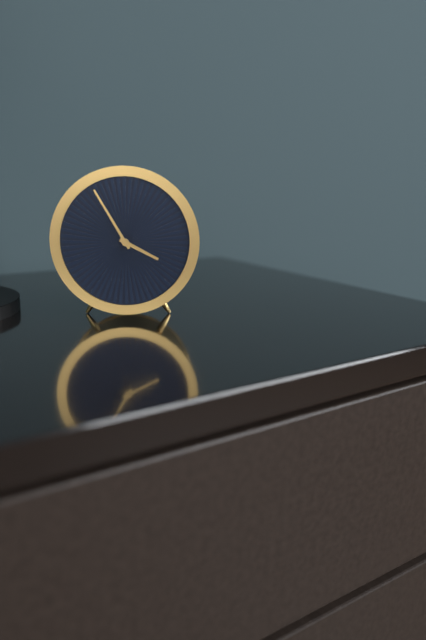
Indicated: 3,55
